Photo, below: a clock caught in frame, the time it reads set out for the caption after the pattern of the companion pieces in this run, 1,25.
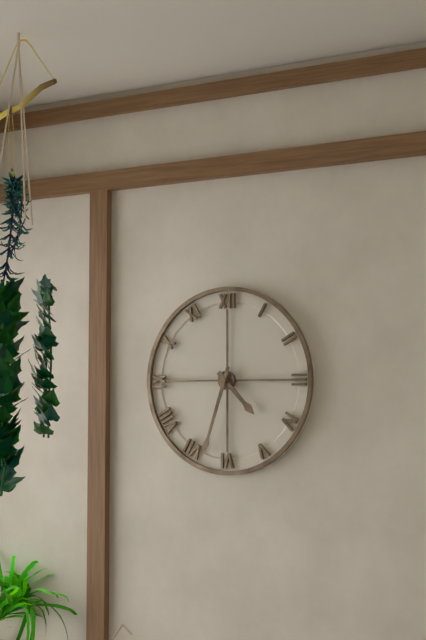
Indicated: 4,33
